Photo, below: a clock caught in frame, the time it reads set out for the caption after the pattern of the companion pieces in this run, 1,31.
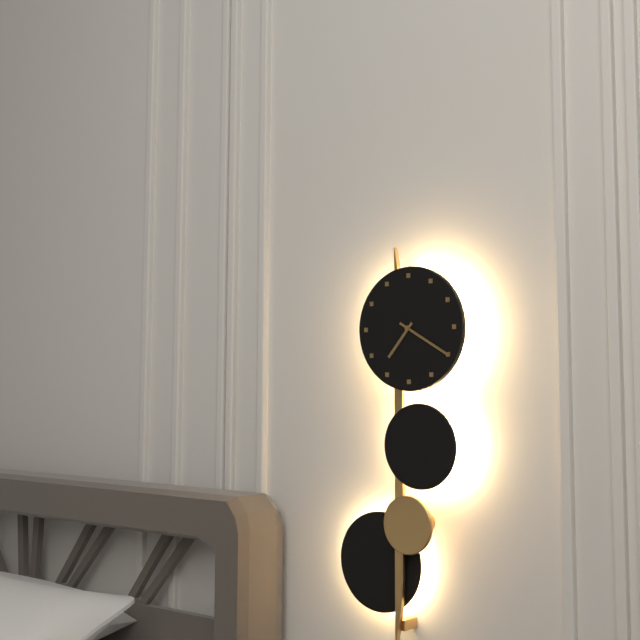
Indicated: 7,20
